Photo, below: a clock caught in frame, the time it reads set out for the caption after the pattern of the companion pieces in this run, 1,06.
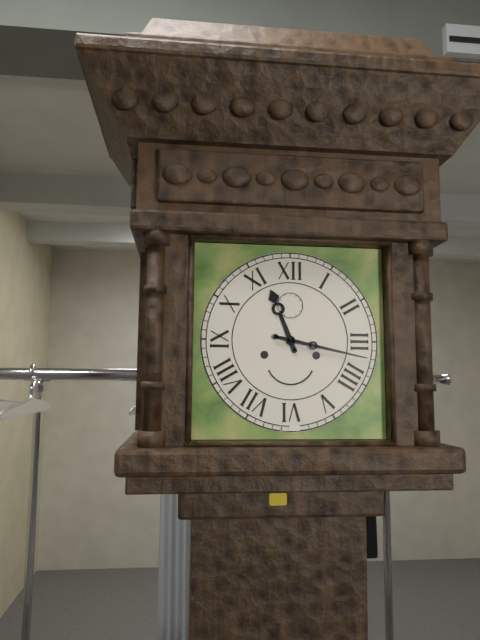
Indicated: 11,17
